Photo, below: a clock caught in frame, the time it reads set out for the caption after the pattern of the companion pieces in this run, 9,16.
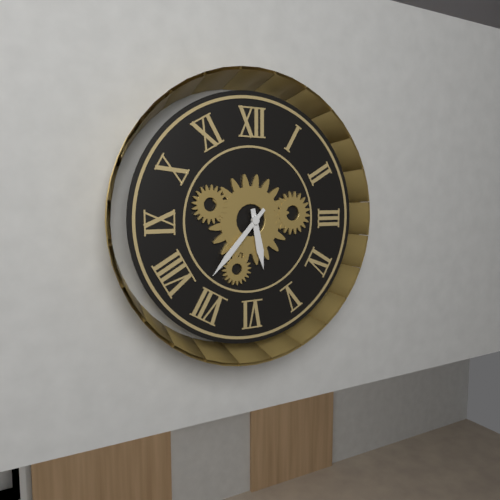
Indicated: 5,37
